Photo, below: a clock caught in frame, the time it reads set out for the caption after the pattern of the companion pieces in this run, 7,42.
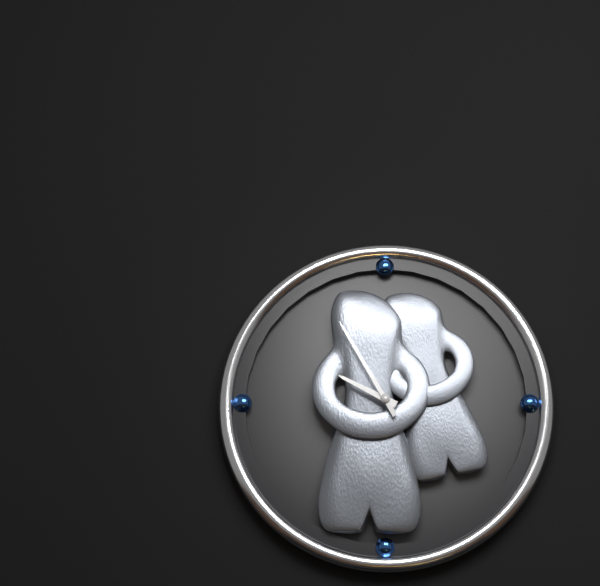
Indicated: 9,55
